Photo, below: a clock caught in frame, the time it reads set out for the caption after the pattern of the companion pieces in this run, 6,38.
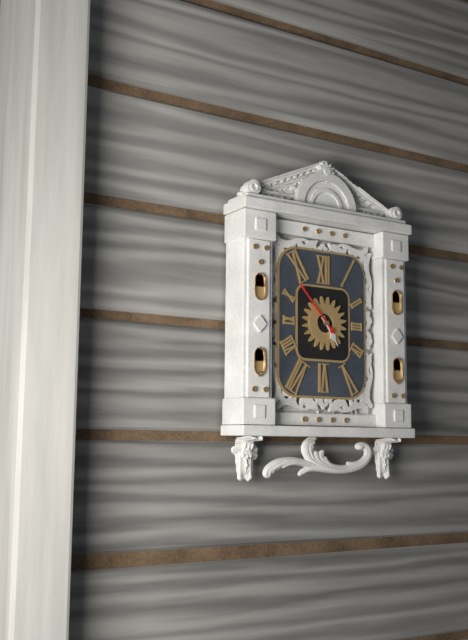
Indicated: 4,53
